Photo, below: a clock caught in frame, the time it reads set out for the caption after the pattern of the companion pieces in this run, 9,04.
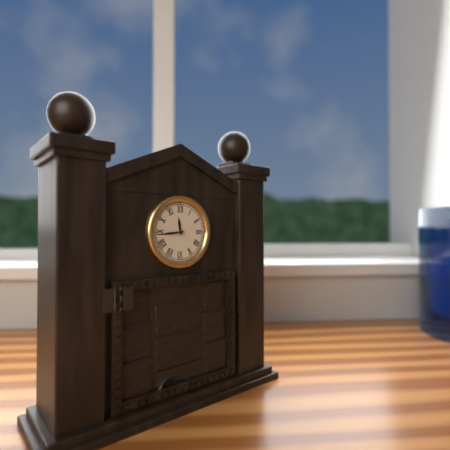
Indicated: 11,44
